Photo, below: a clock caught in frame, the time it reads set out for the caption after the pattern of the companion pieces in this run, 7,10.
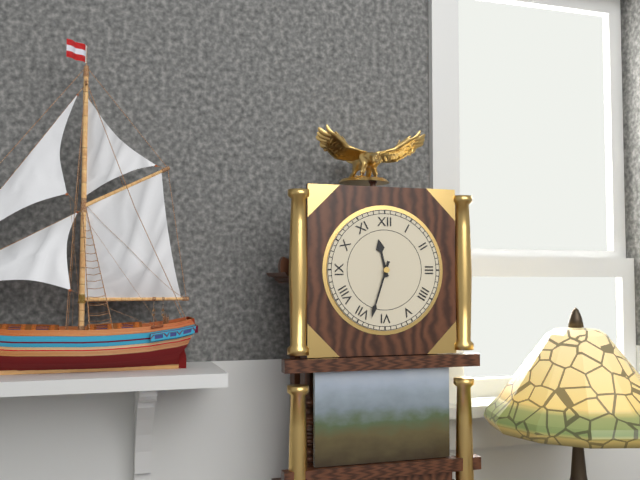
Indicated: 11,33
